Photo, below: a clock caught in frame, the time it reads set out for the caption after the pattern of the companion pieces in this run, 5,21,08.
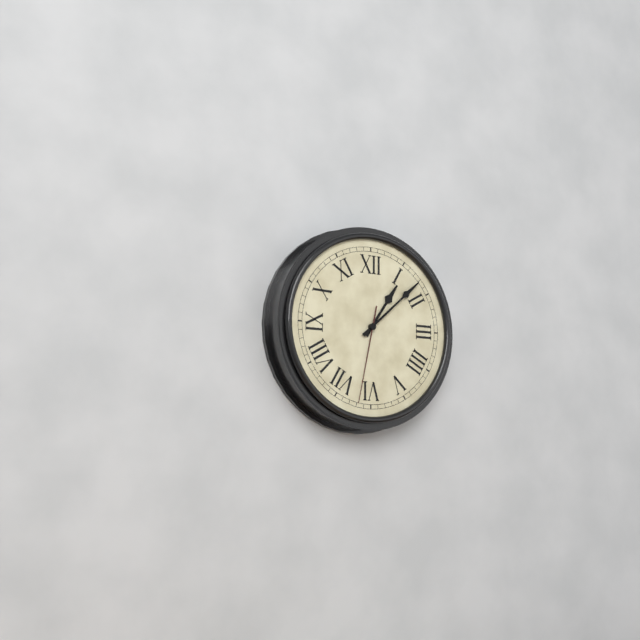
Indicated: 1,08,32
